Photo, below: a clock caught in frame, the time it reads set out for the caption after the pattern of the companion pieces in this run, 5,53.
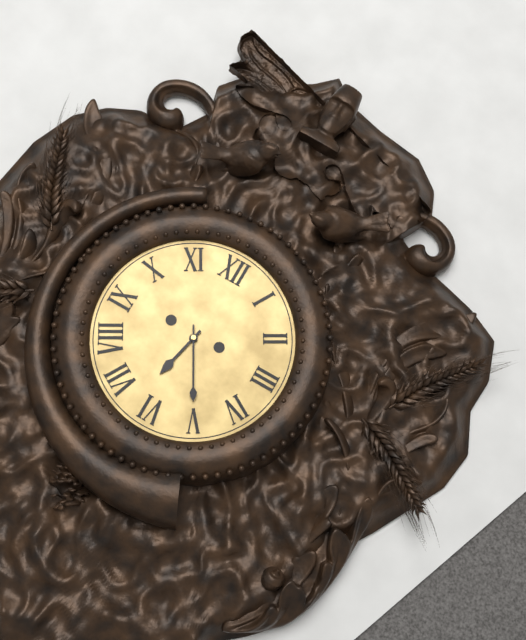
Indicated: 6,25
